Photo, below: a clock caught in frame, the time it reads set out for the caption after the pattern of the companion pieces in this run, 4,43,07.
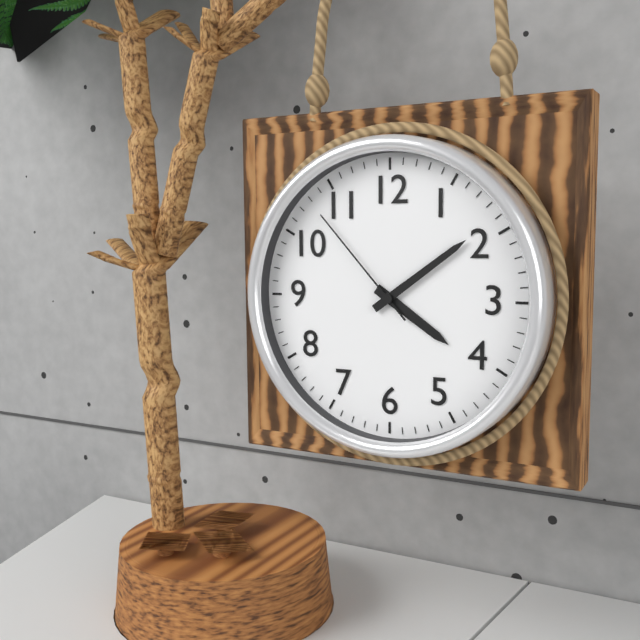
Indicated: 4,09,53
